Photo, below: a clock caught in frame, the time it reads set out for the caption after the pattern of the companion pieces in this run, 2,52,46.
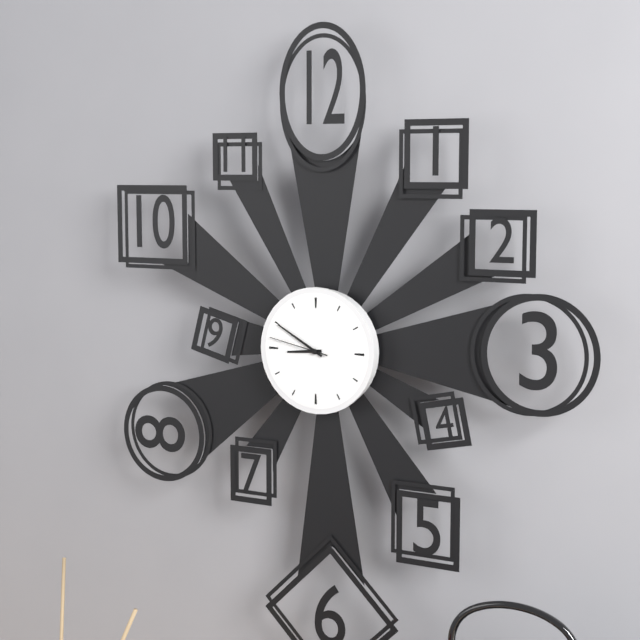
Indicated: 8,50,47
